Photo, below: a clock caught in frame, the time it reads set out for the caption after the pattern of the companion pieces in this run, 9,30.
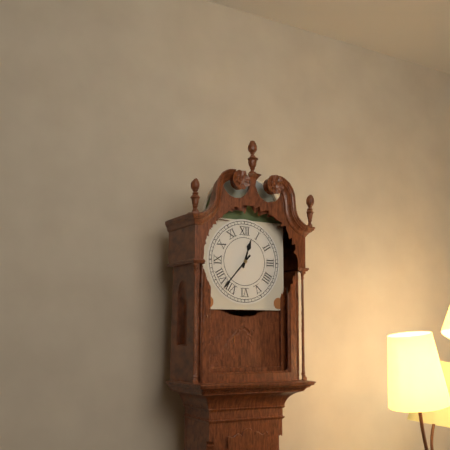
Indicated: 12,37
